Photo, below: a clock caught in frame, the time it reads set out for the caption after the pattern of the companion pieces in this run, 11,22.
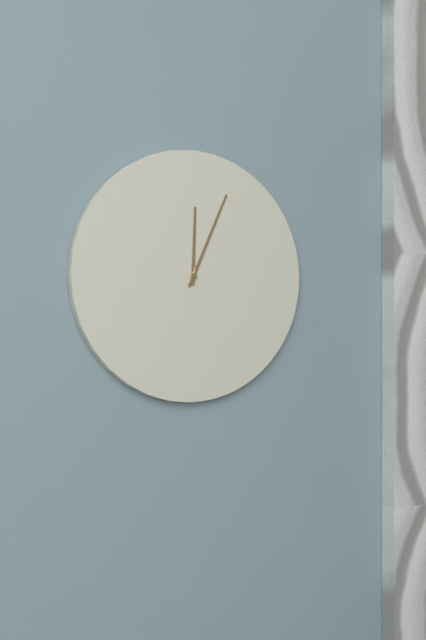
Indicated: 12,04
